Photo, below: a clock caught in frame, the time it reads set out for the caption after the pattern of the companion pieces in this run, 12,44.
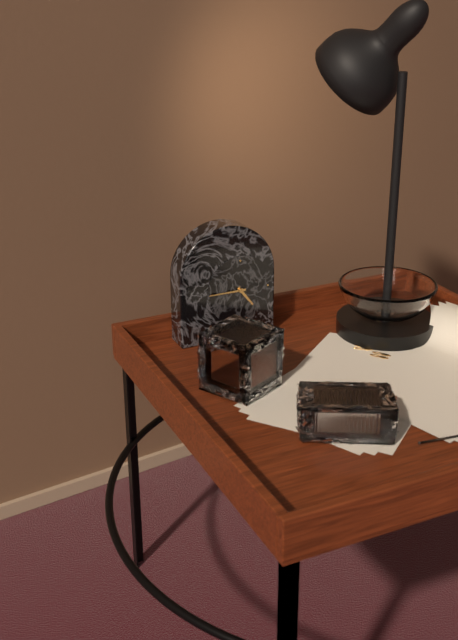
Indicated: 4,45
